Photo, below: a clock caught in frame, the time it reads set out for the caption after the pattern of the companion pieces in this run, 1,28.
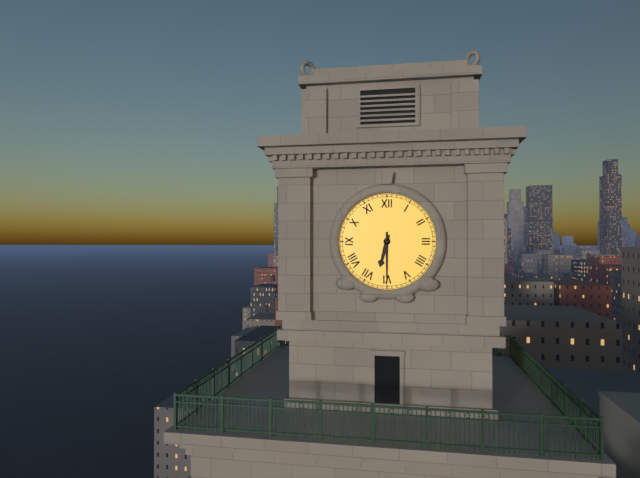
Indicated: 6,30
